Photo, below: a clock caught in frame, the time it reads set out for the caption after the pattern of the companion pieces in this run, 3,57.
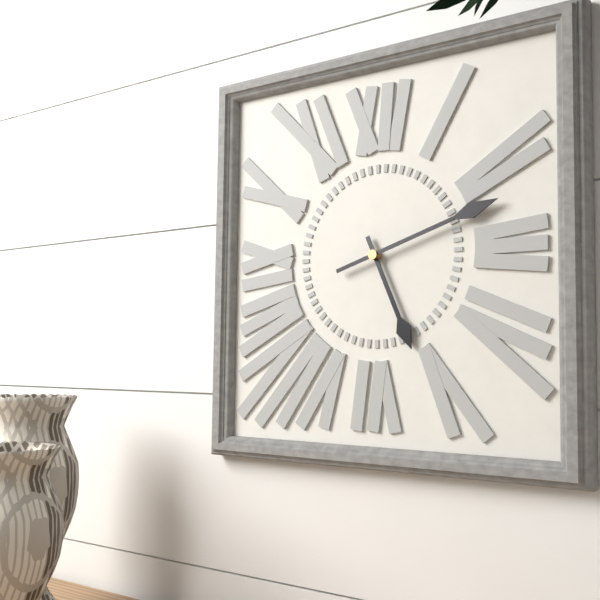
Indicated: 5,12
